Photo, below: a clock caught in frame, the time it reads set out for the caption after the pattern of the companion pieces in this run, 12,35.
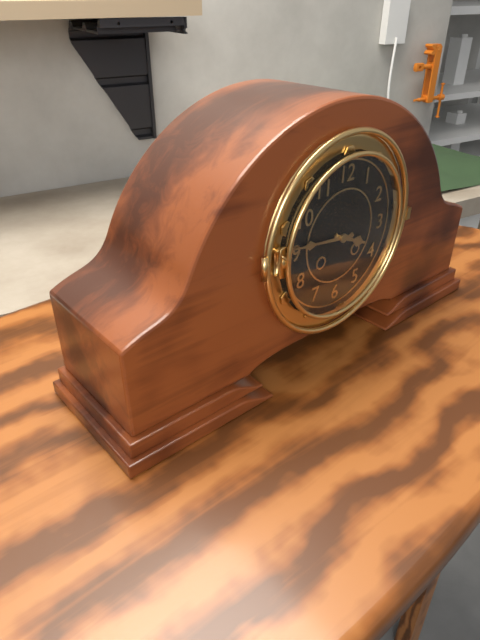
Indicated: 3,46
